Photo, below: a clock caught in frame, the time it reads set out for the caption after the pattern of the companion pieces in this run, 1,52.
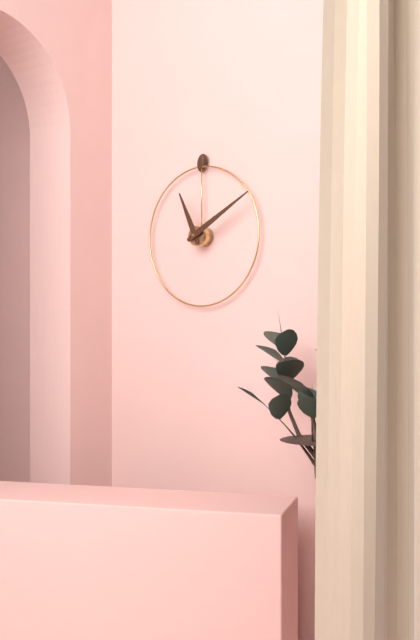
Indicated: 11,10
